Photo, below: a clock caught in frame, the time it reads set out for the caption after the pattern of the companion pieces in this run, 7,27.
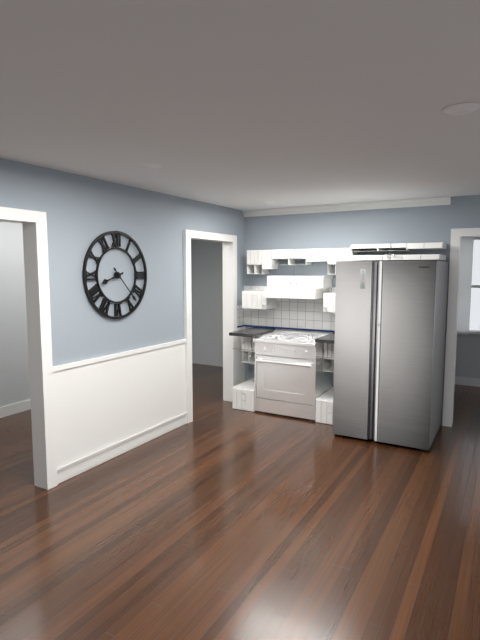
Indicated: 8,23
